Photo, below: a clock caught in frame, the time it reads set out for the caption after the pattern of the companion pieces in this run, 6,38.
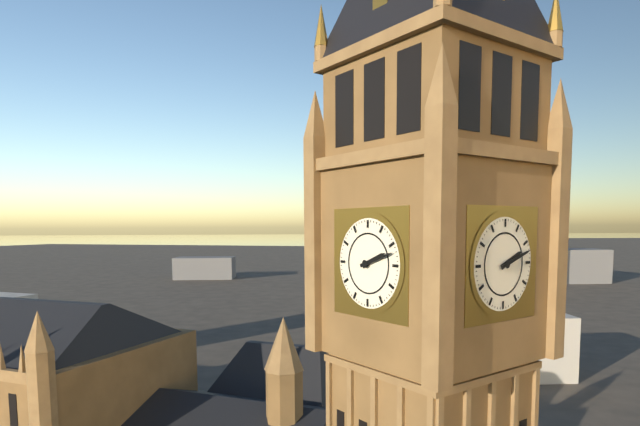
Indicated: 2,12
